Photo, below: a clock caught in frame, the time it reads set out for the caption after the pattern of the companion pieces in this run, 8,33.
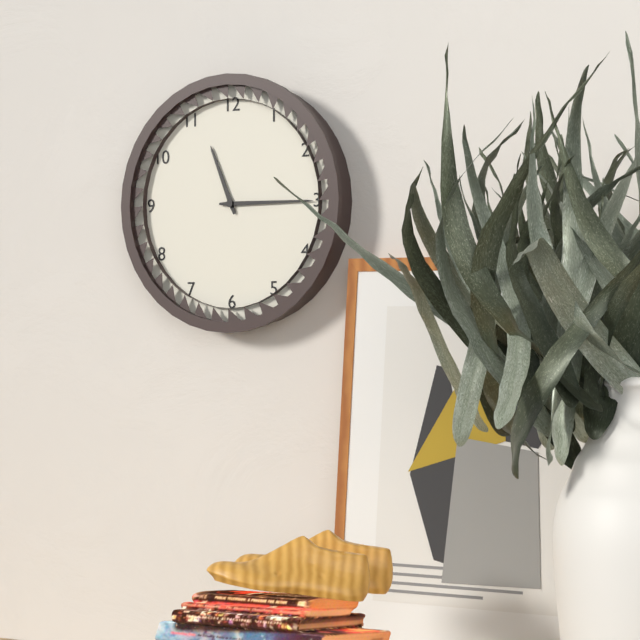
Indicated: 11,15
